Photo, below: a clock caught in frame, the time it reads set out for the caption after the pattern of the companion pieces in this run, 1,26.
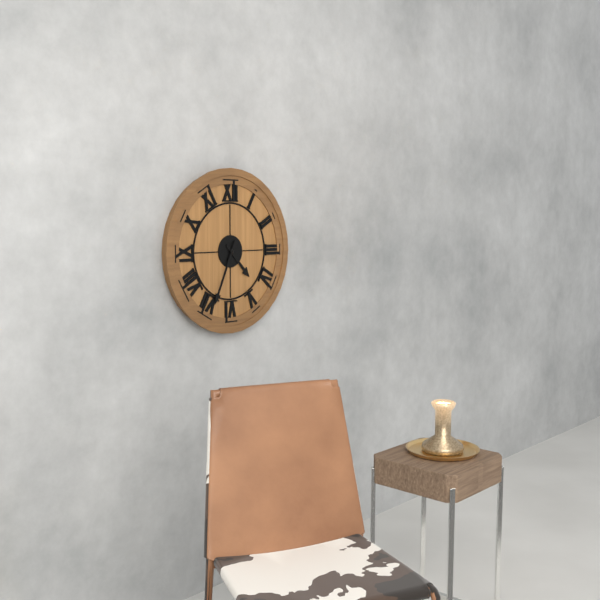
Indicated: 4,34
